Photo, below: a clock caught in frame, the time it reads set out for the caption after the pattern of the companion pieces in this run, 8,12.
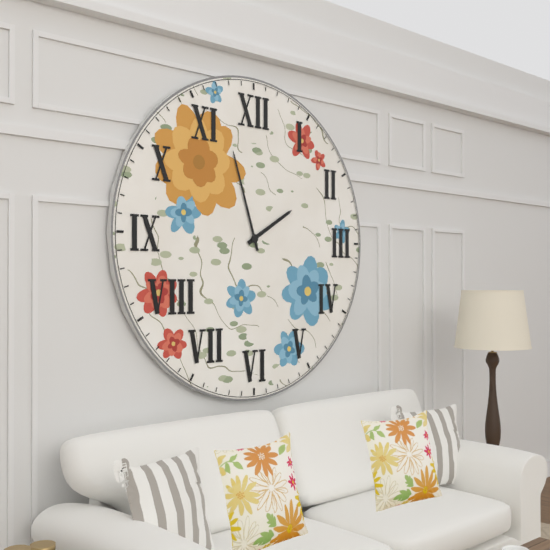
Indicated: 1,57
